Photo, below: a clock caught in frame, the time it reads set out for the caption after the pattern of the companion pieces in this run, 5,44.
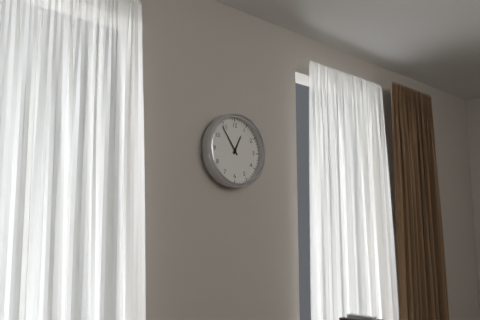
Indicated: 12,54
